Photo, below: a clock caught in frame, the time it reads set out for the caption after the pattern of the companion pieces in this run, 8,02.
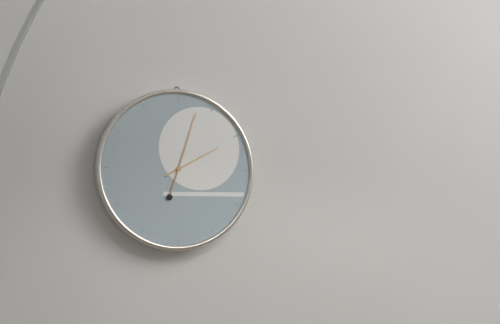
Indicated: 2,03
